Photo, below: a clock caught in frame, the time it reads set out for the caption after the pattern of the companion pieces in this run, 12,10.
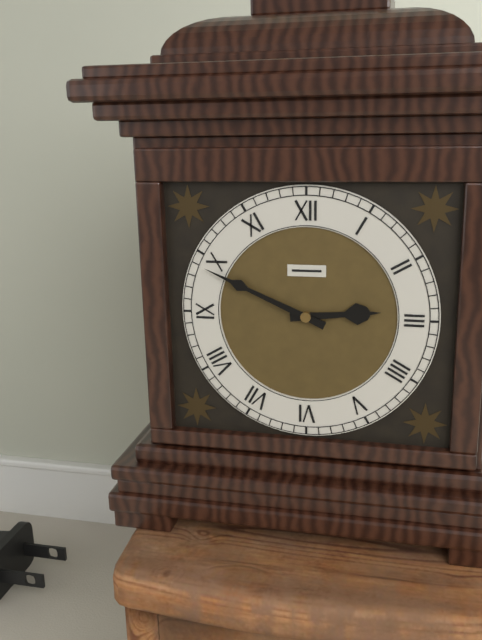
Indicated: 2,49
